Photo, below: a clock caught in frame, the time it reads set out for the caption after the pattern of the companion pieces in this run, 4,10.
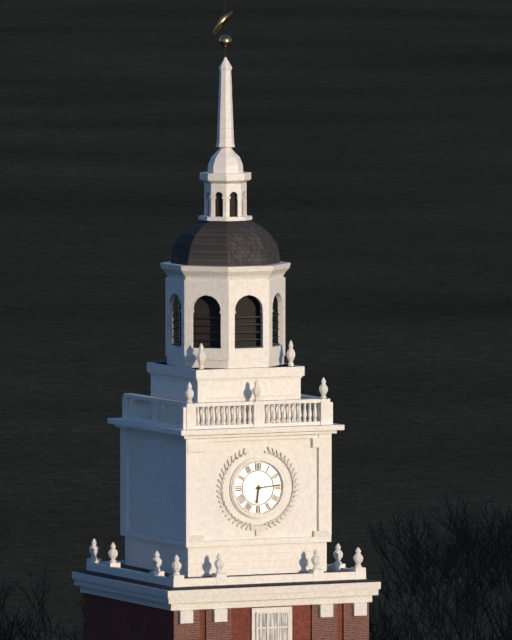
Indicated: 6,14
